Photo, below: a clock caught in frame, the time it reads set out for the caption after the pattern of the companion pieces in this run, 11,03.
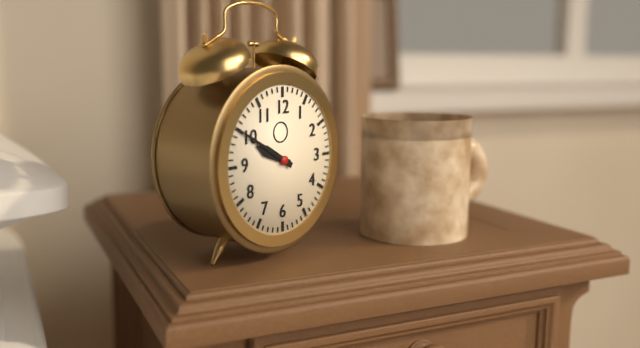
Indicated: 9,50
